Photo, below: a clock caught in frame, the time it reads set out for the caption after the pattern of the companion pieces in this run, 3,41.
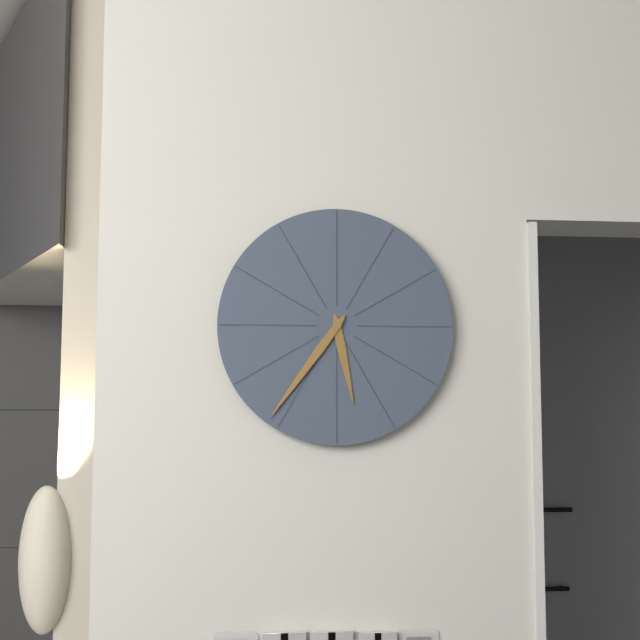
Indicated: 5,36
